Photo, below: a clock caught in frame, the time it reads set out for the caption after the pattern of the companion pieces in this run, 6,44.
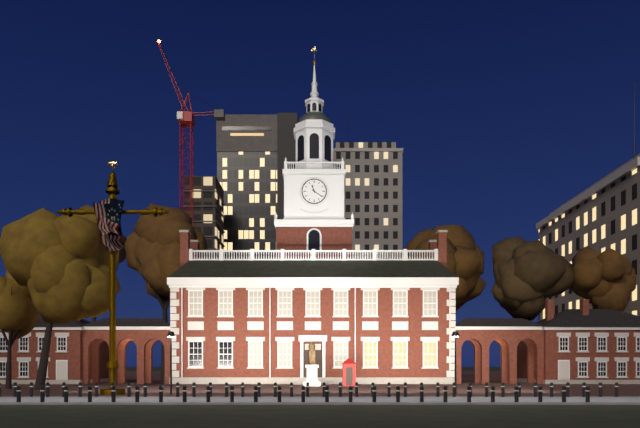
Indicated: 11,21
